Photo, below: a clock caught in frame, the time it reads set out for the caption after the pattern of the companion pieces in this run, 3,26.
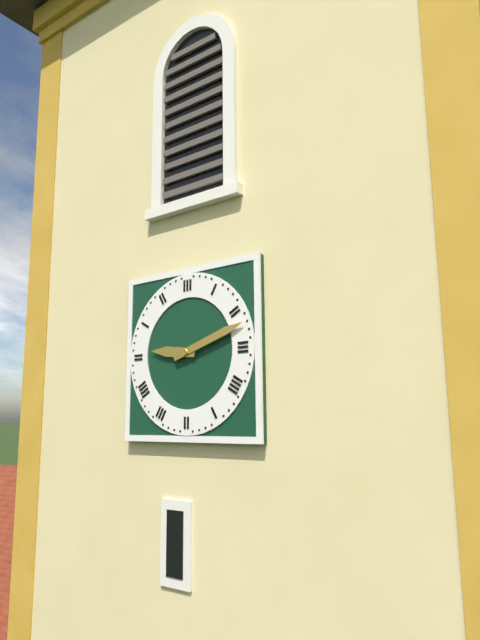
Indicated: 9,12
